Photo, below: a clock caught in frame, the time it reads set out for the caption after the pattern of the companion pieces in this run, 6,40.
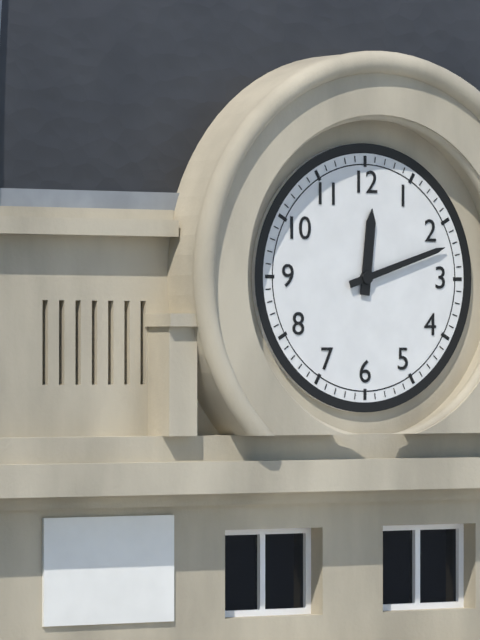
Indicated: 12,12
